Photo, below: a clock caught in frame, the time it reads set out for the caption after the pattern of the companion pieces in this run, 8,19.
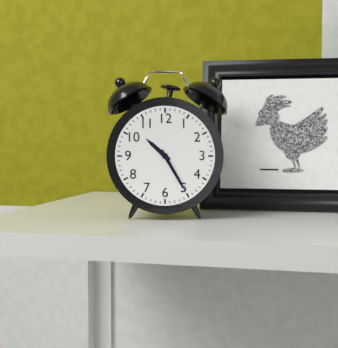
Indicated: 10,25
